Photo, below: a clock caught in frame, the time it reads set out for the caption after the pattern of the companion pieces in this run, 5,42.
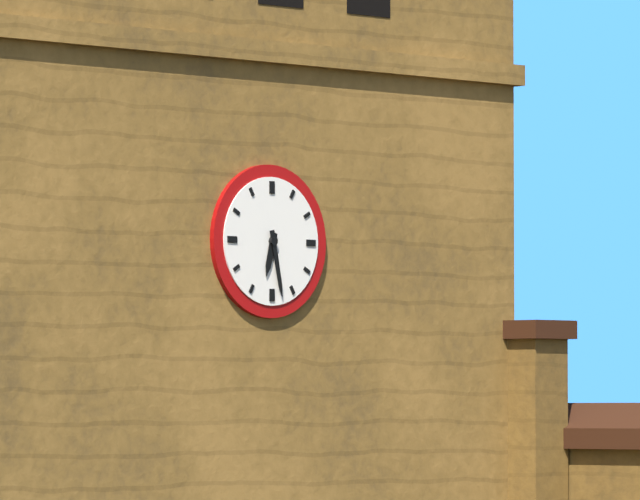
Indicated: 6,28
